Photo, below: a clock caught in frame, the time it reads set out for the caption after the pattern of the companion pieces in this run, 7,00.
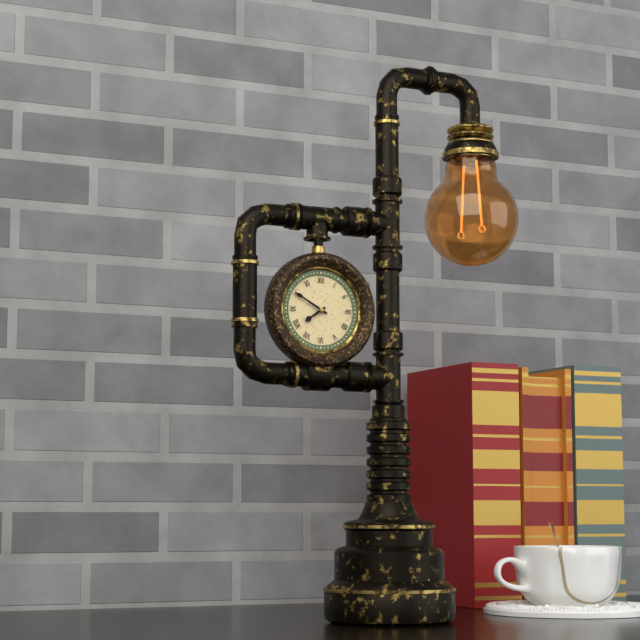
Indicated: 7,50
